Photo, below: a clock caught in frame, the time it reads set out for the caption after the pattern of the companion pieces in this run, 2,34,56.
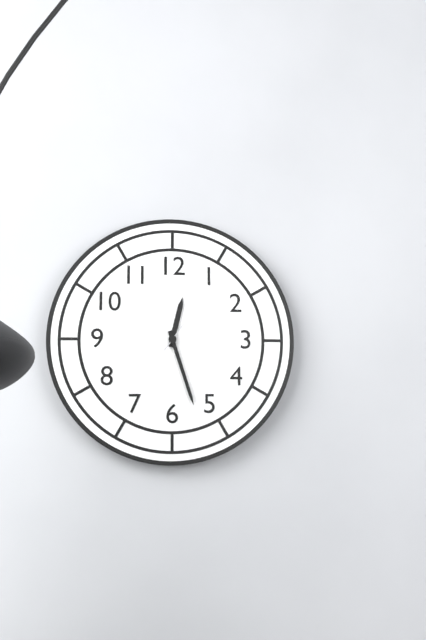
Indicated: 12,27,06
